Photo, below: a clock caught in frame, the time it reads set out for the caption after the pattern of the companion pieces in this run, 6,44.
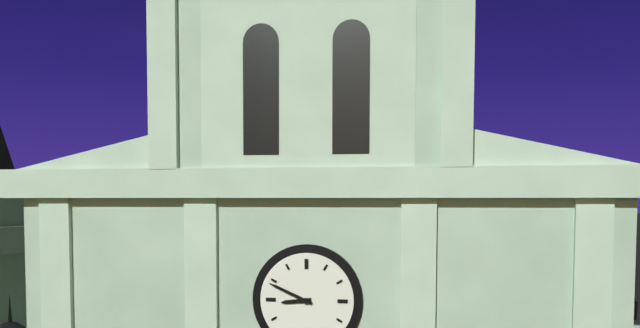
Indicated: 8,49
